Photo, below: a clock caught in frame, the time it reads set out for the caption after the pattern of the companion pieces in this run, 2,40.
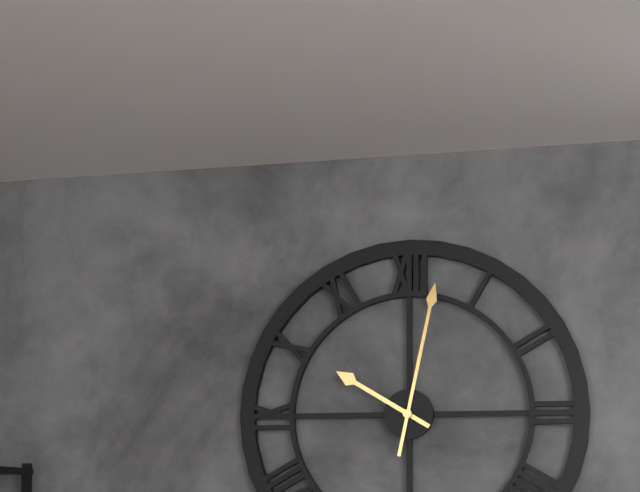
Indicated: 10,02
